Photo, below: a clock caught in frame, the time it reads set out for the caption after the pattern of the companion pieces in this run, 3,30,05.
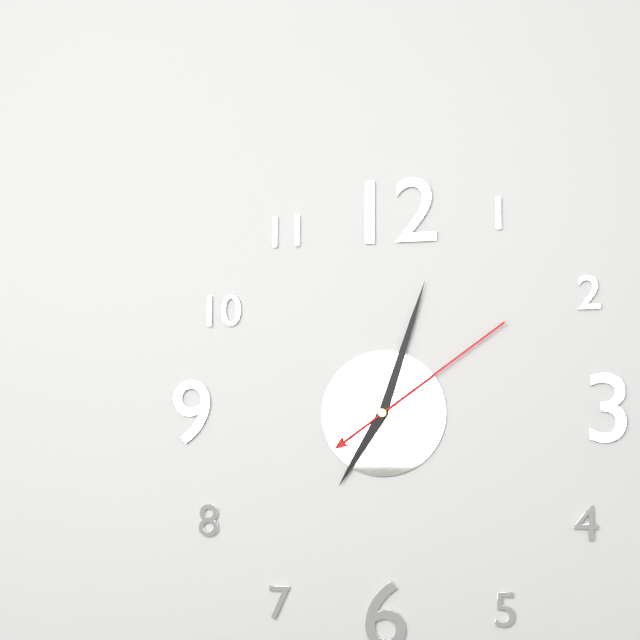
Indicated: 7,03,09
